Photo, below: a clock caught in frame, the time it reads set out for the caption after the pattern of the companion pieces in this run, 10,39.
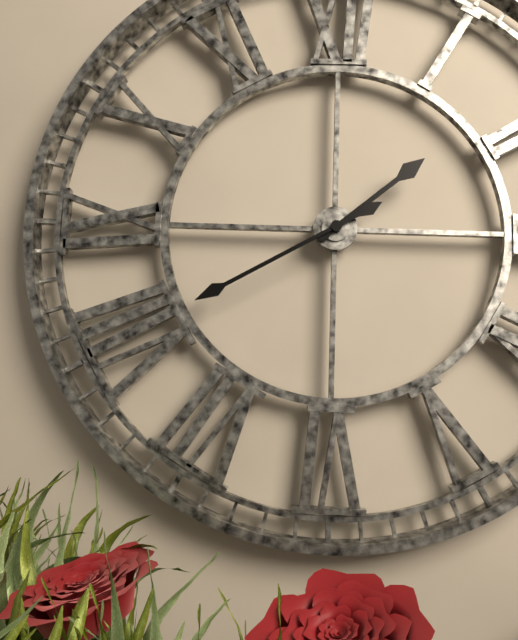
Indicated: 1,40
